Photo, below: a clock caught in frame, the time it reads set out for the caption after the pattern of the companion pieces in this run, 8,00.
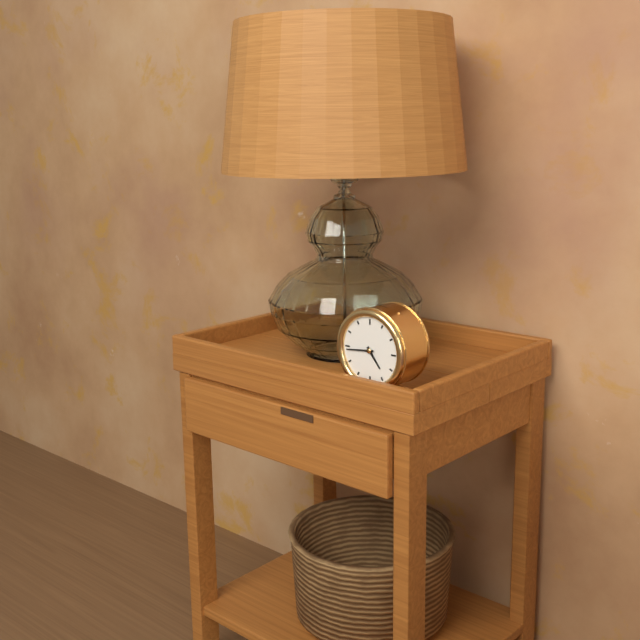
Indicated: 4,44
